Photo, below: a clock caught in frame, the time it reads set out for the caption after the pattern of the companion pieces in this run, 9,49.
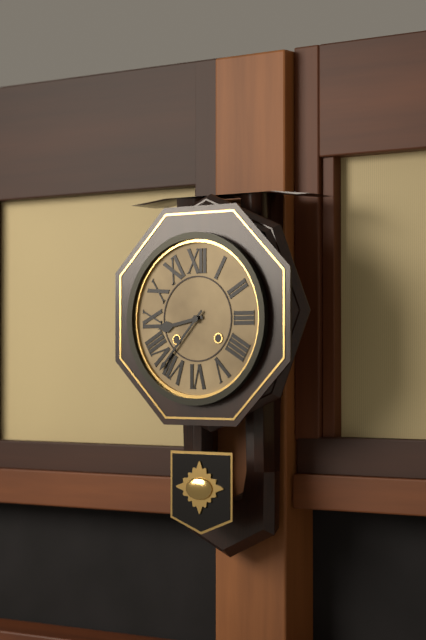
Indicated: 8,37
